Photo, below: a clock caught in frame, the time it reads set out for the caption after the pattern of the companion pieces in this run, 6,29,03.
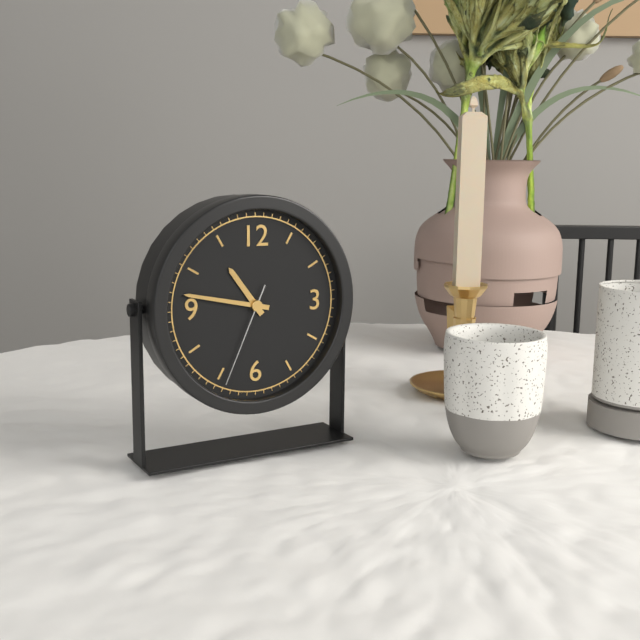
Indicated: 10,47,34
